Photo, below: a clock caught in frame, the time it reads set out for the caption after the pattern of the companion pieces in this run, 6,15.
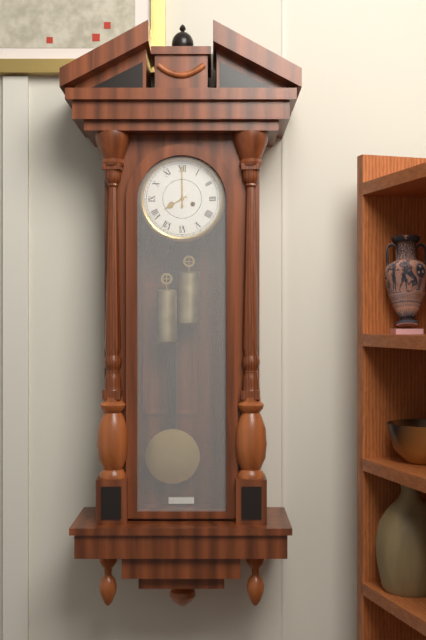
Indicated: 8,00
